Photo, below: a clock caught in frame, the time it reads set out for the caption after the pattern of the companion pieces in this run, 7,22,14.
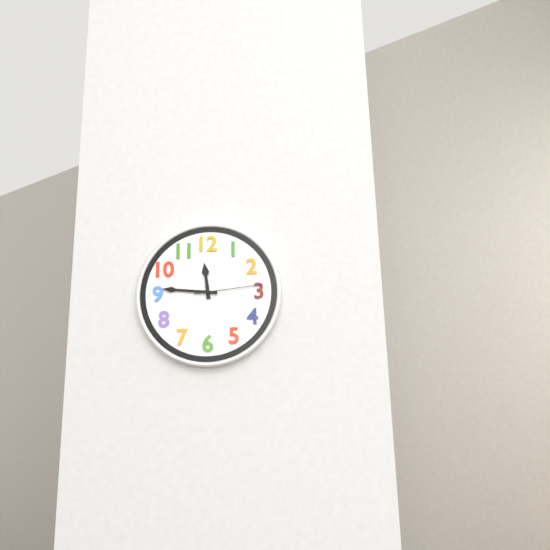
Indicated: 11,46,14
